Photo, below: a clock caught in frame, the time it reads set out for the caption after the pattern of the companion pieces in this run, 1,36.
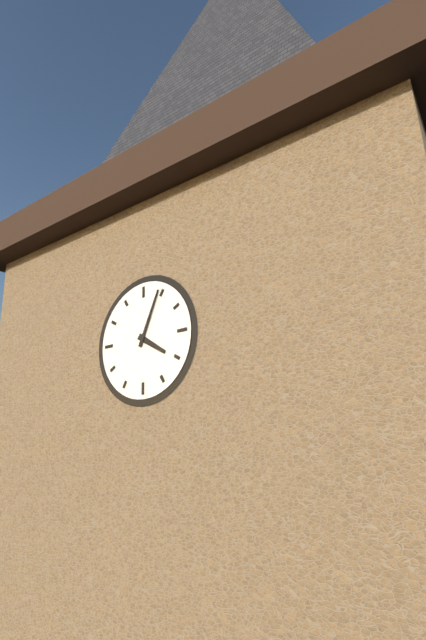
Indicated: 4,04
